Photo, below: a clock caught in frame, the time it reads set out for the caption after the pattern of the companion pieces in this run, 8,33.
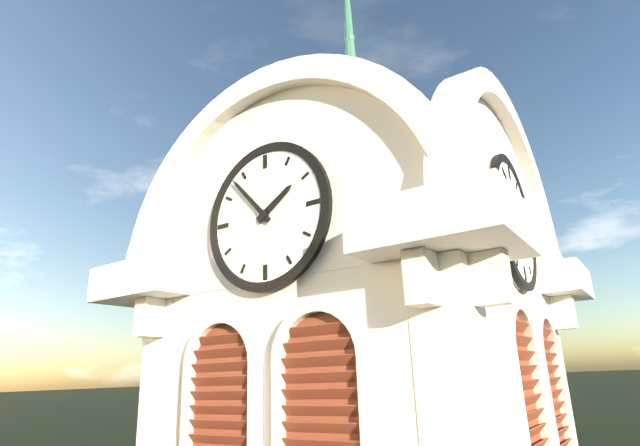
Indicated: 1,53
